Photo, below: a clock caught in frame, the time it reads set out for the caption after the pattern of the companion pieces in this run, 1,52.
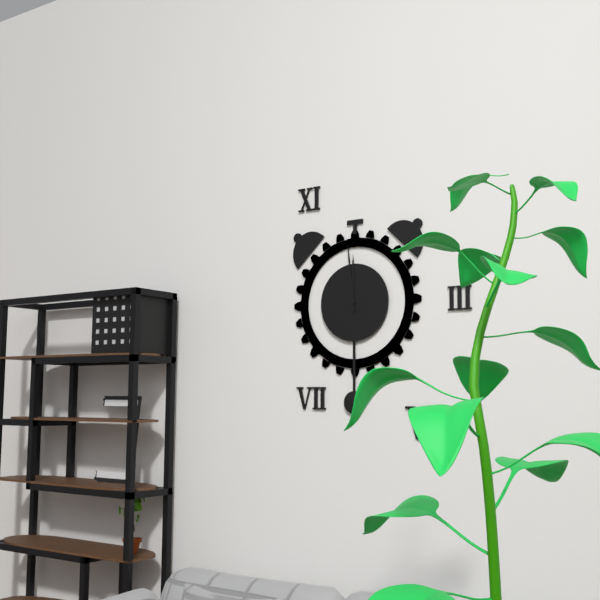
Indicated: 11,59
